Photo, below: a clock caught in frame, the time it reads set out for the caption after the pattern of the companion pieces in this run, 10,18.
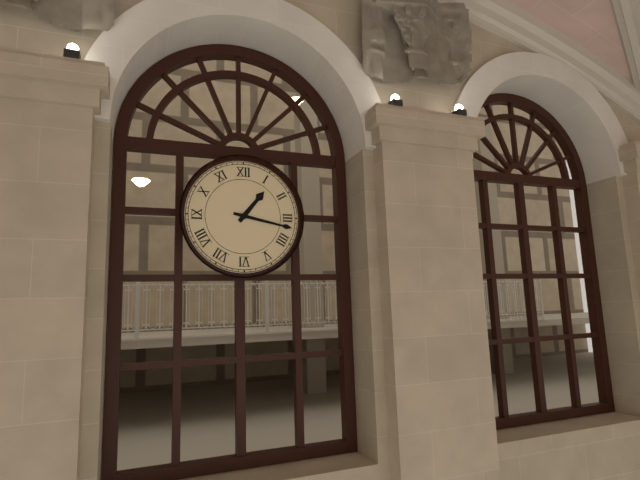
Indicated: 1,17
